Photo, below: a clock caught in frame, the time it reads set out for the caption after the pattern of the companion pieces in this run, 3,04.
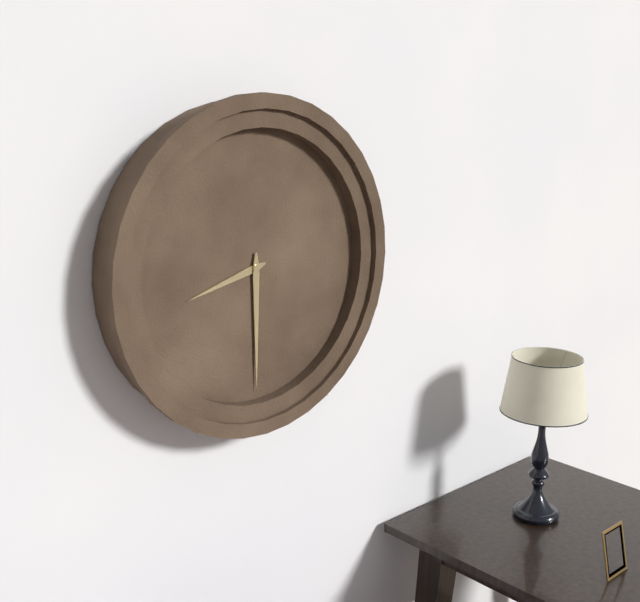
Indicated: 8,30
